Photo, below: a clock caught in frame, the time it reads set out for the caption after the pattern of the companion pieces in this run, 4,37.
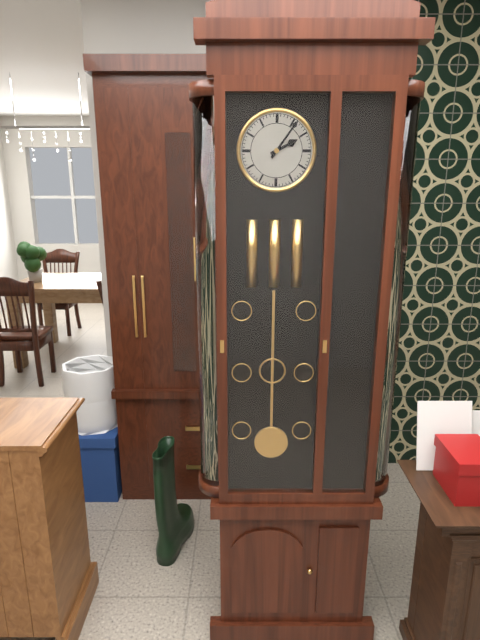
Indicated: 2,06
